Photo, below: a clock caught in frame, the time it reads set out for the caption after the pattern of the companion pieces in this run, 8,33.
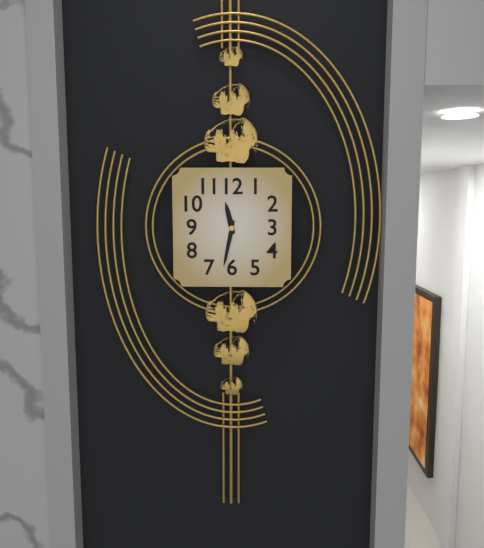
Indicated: 11,32
